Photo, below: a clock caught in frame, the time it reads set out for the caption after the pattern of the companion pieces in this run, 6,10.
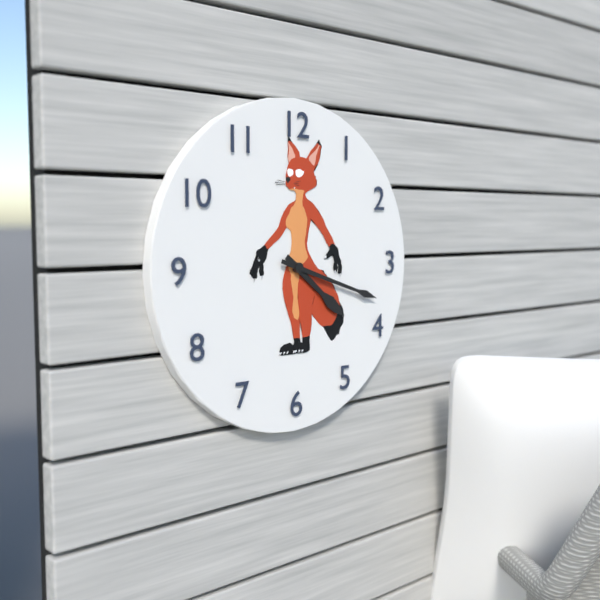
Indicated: 4,18
